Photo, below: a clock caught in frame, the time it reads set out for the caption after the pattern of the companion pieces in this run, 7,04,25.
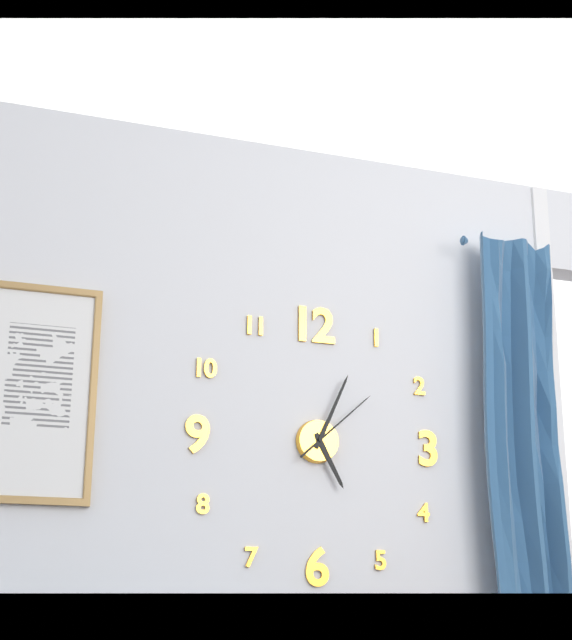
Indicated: 5,04,08
